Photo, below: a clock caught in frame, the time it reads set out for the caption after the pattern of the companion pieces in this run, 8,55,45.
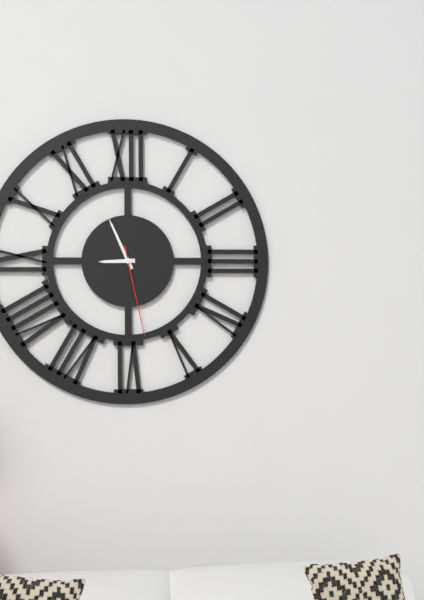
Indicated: 8,56,28
